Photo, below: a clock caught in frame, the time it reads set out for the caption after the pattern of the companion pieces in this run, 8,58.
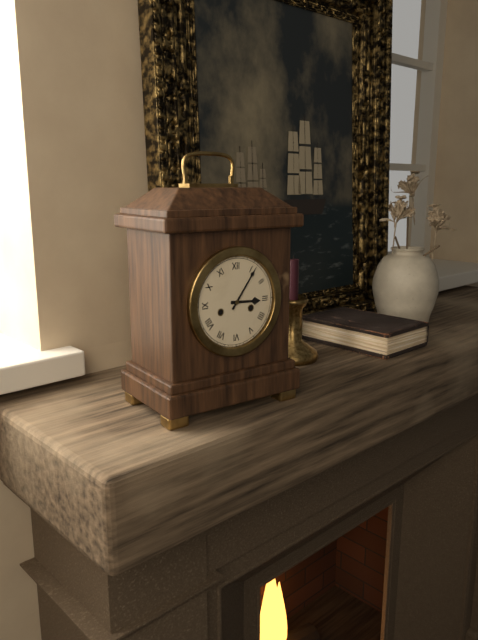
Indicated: 3,06
